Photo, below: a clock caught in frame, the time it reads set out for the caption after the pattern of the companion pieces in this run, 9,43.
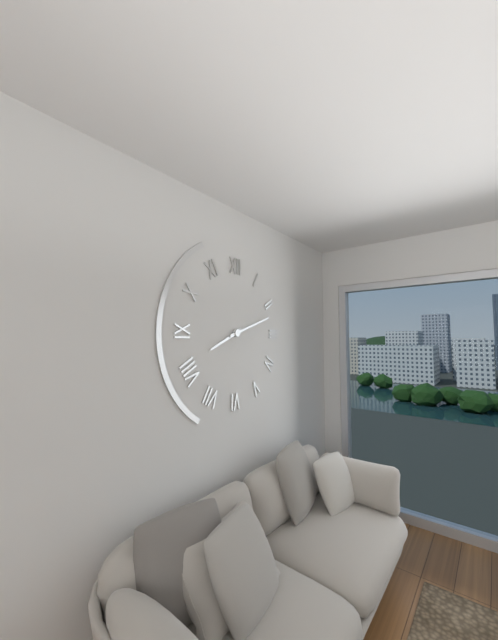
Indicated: 8,12
